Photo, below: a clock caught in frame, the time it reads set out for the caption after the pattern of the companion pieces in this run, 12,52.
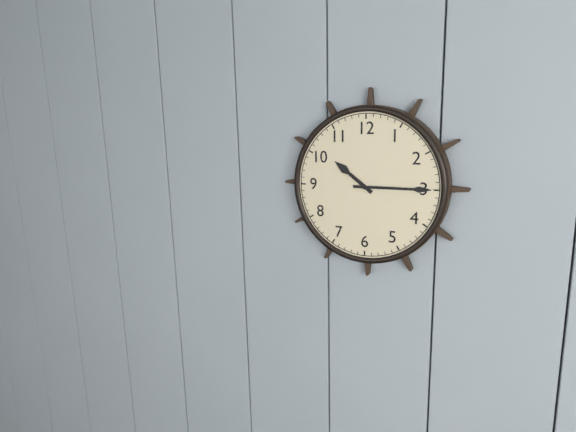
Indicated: 10,15
